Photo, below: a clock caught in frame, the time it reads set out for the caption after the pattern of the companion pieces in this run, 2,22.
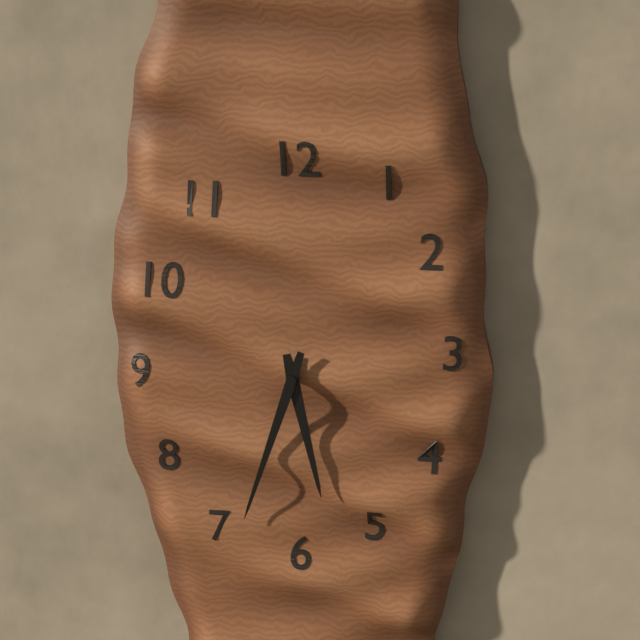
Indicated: 5,33
